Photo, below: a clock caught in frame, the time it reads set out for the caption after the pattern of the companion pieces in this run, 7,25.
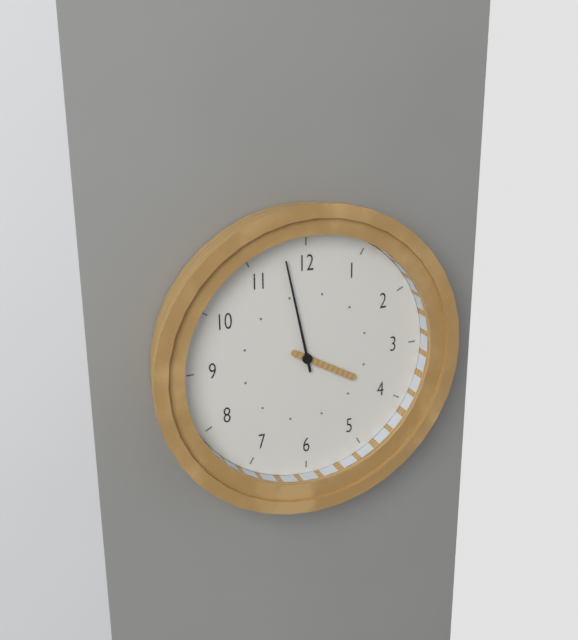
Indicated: 3,58
